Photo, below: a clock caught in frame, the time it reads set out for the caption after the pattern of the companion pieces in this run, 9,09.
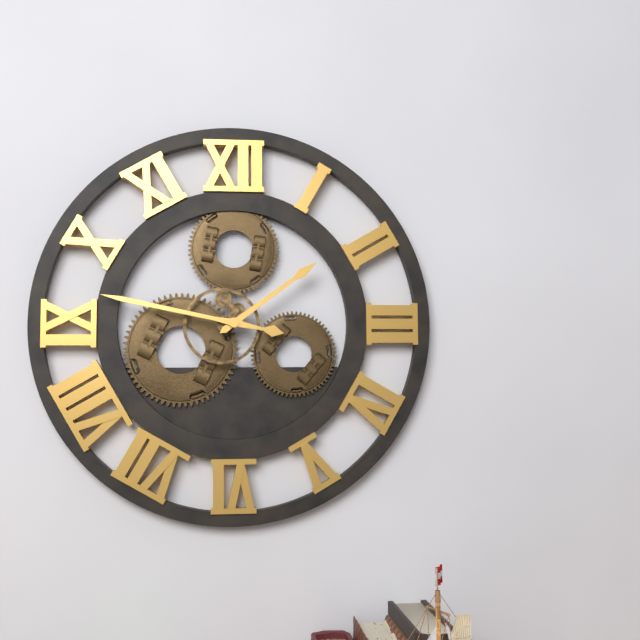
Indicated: 1,47
